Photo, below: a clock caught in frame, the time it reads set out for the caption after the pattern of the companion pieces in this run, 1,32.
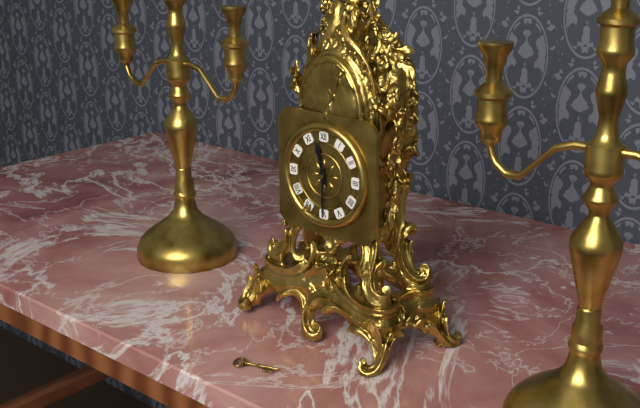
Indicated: 11,30
